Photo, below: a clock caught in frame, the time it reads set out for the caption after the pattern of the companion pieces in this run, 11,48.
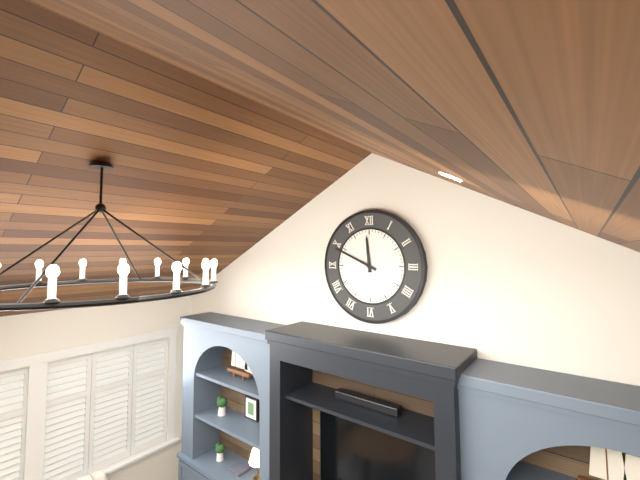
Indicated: 11,49
